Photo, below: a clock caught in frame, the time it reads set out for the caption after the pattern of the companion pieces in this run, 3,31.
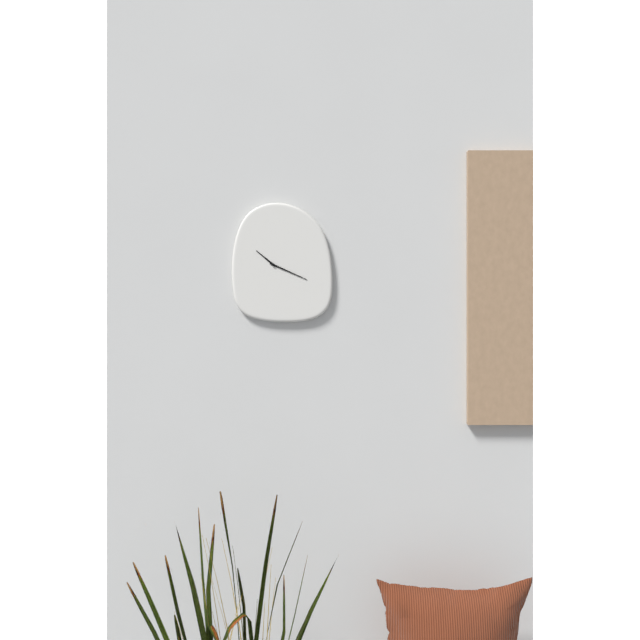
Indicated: 10,19
